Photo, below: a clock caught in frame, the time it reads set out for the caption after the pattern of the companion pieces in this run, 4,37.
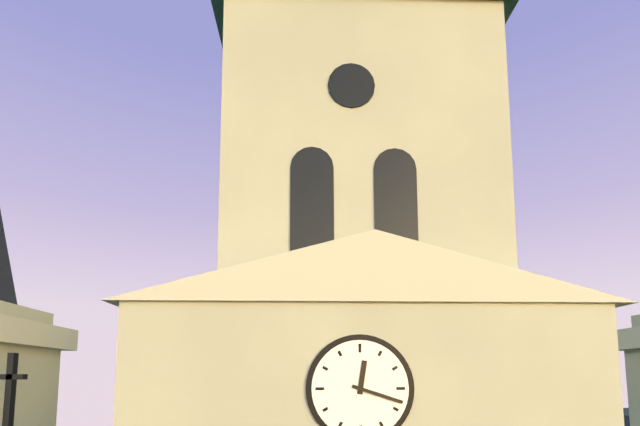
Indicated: 12,18
